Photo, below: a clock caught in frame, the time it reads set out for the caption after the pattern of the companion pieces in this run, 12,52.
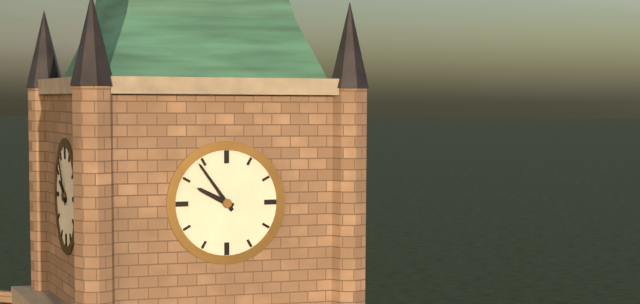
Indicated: 9,54
